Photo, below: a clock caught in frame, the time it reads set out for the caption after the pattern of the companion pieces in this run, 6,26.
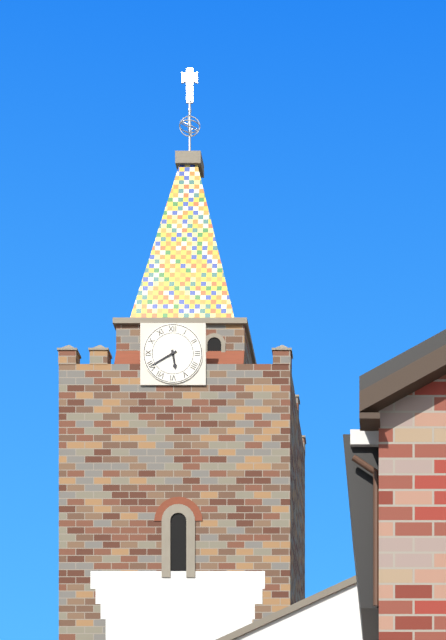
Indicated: 5,40
